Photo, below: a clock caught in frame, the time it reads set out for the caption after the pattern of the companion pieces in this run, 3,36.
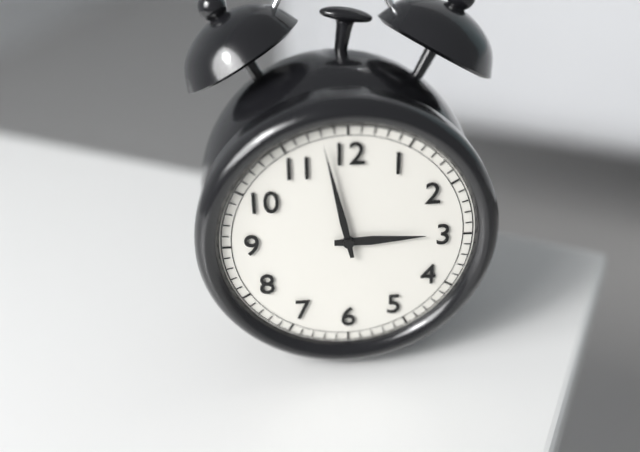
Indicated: 2,58
